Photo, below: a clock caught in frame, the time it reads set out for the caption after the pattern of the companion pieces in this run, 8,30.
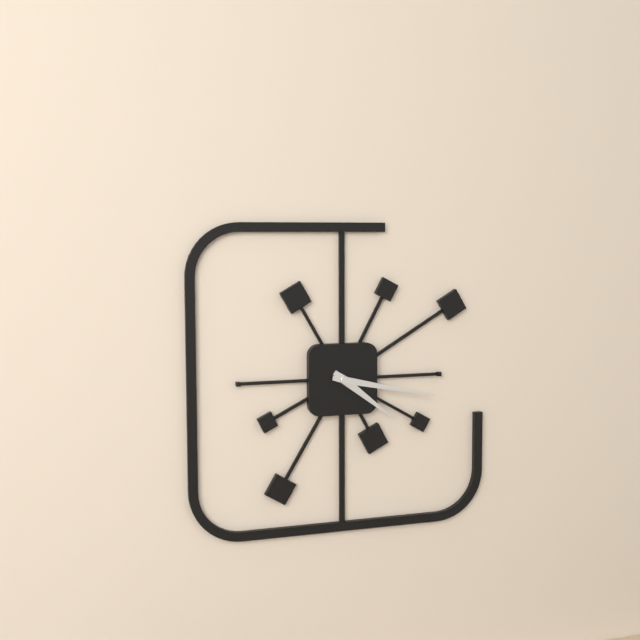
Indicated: 4,17
